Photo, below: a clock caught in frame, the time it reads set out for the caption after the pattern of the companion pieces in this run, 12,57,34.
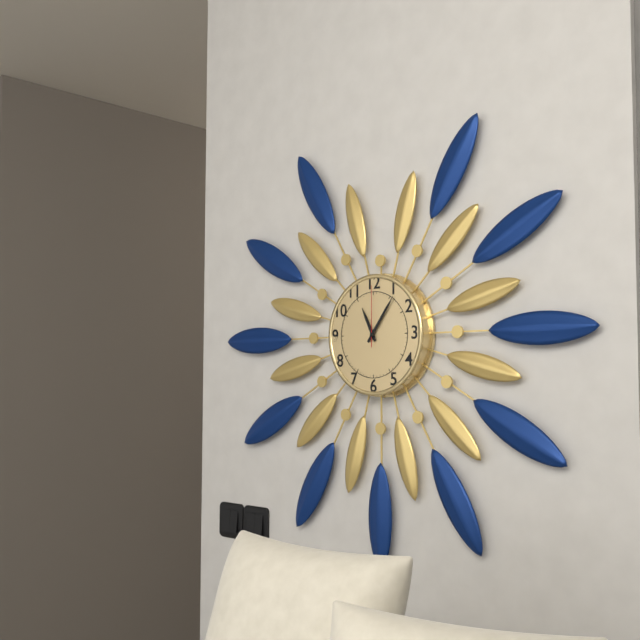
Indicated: 11,06,00
